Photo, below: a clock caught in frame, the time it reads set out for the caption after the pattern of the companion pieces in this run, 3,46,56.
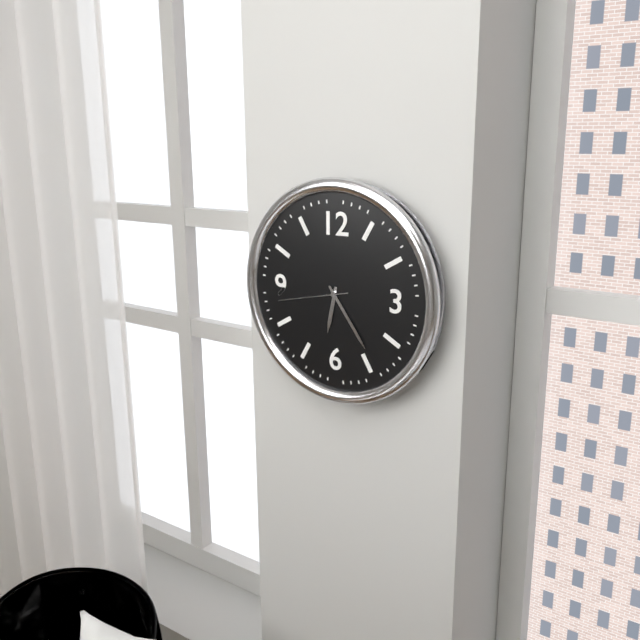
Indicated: 6,24,43
